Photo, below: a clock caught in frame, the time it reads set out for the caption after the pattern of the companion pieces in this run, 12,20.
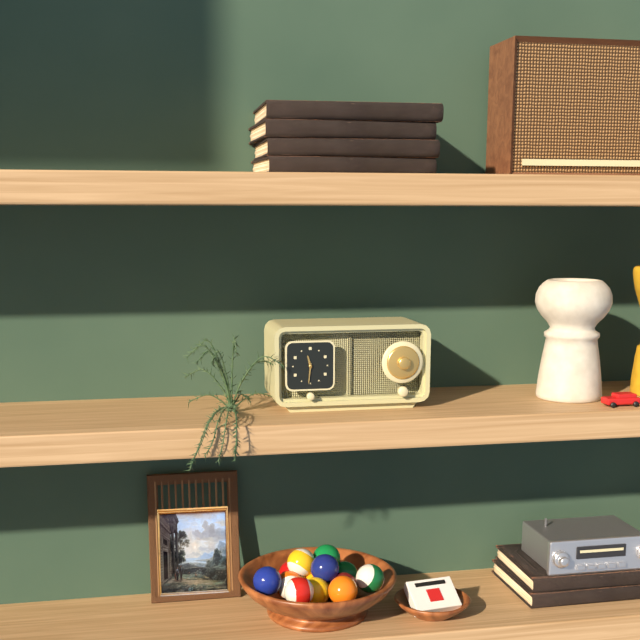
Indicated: 11,31
